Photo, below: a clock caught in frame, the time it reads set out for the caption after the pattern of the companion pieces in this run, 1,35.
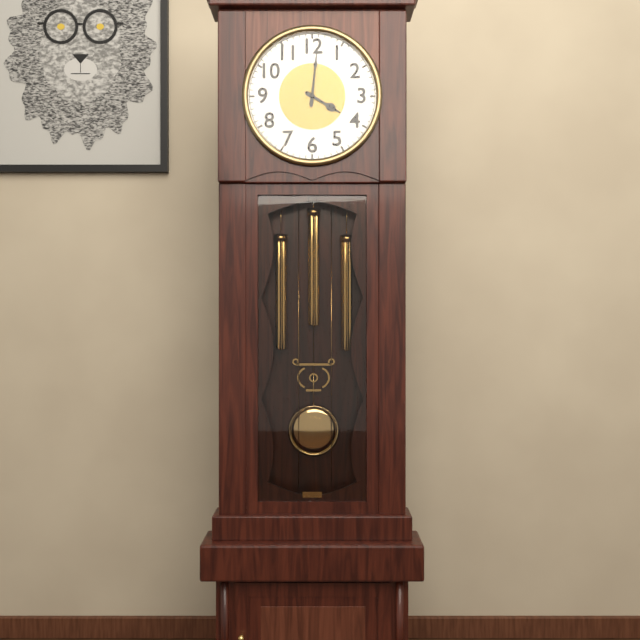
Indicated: 4,01
